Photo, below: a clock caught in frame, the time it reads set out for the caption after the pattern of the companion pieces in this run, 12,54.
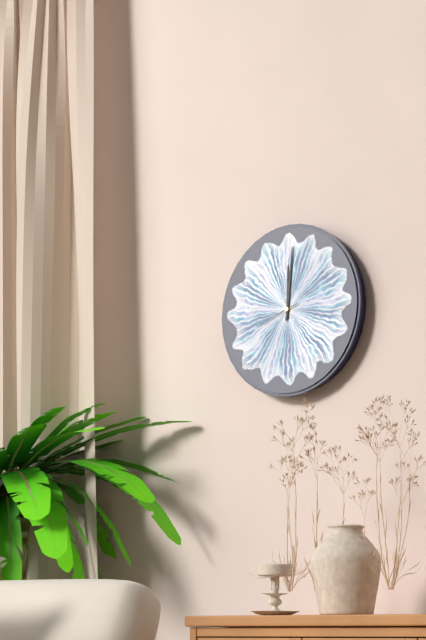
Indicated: 12,01
